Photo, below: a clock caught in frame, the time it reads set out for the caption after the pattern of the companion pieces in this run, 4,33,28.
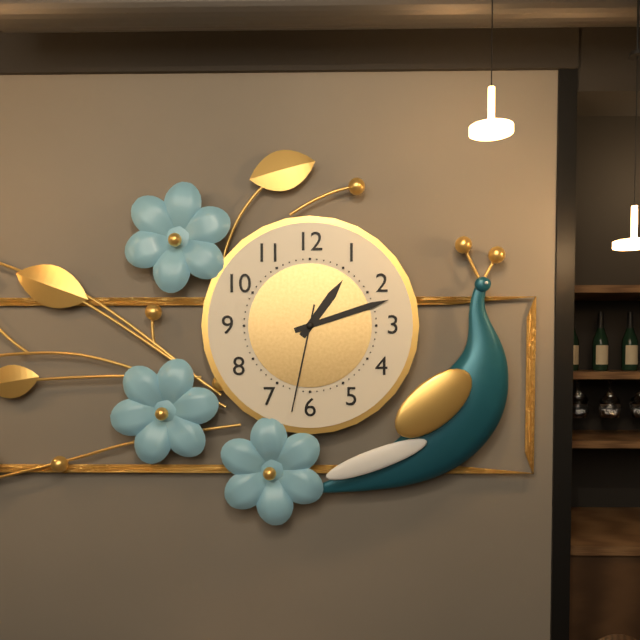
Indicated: 1,12,32
